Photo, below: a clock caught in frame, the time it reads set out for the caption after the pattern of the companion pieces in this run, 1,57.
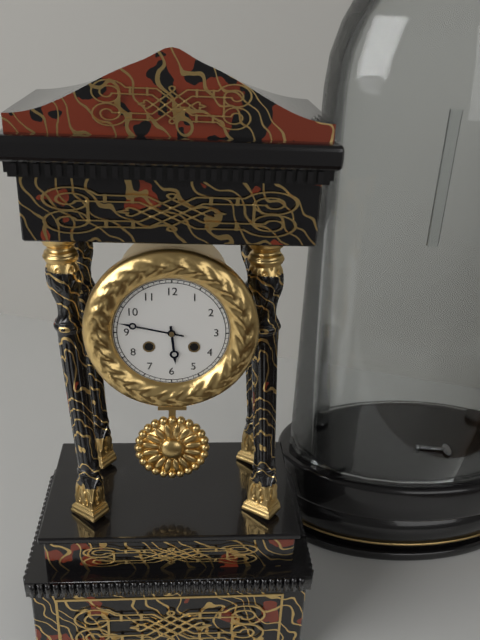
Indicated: 5,47
